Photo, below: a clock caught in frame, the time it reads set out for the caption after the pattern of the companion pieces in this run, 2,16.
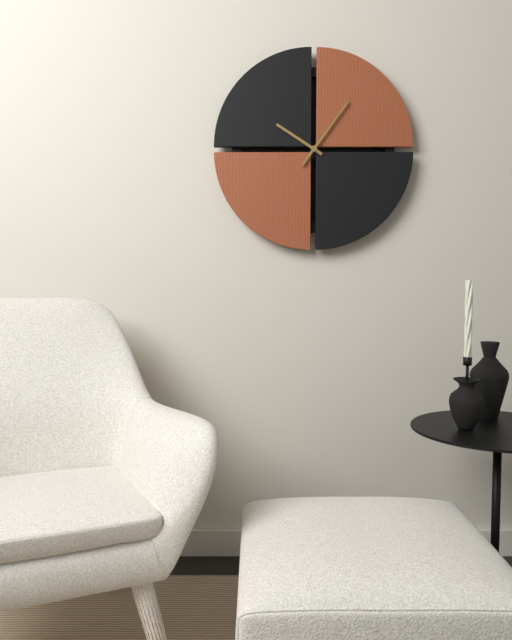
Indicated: 10,06
